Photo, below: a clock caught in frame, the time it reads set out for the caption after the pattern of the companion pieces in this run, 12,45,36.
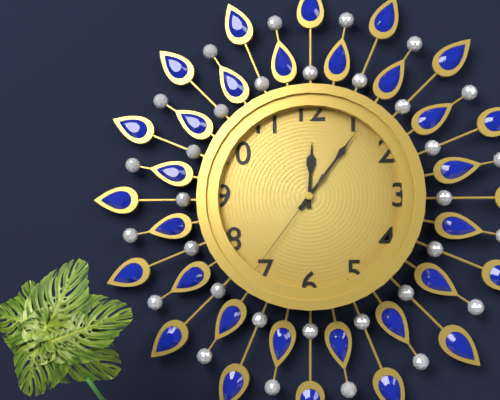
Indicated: 12,06,36
